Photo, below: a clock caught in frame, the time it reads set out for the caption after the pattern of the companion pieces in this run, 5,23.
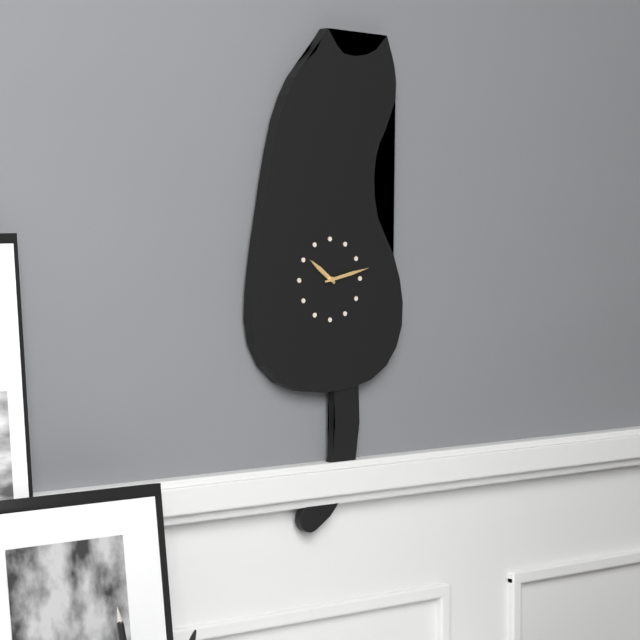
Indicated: 10,13
